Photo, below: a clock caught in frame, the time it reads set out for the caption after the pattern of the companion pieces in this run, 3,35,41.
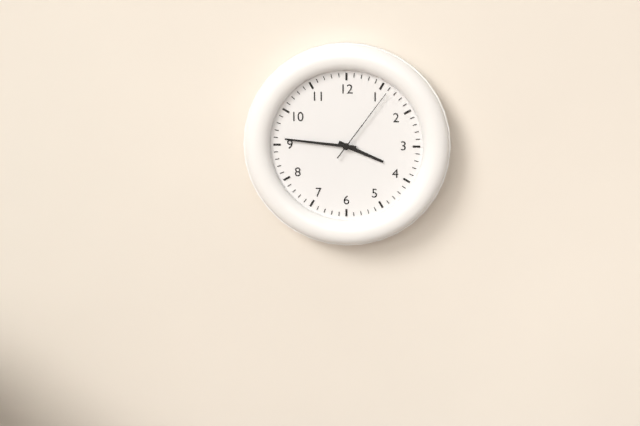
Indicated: 3,46,06
